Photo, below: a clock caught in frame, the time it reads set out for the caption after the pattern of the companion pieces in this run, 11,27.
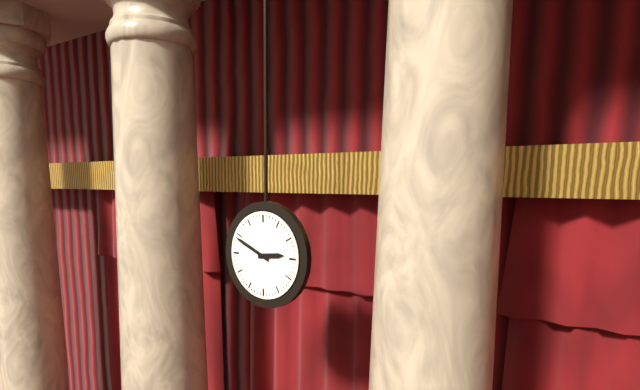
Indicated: 2,49
